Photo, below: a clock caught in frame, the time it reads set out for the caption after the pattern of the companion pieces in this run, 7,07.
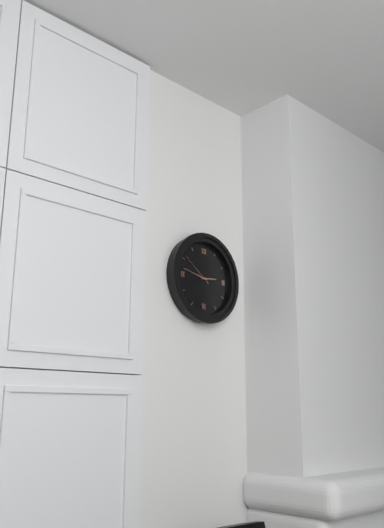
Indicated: 2,47
